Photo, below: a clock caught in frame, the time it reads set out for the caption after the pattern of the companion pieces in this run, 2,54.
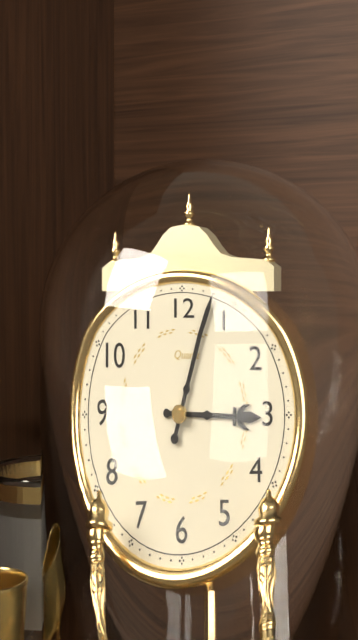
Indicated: 3,03
